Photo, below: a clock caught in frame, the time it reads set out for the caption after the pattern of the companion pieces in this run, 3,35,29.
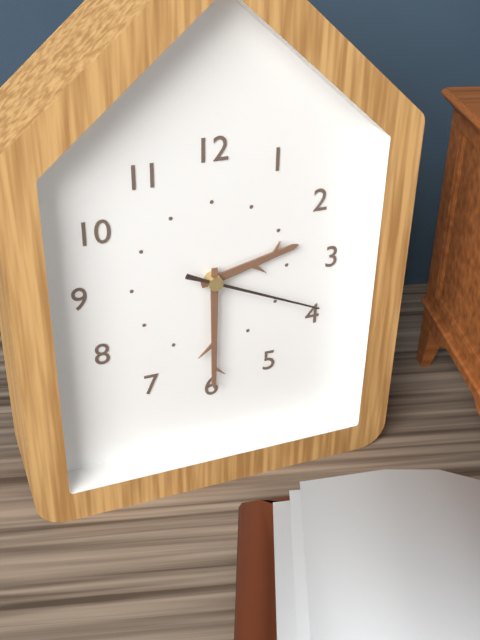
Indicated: 2,30,19
